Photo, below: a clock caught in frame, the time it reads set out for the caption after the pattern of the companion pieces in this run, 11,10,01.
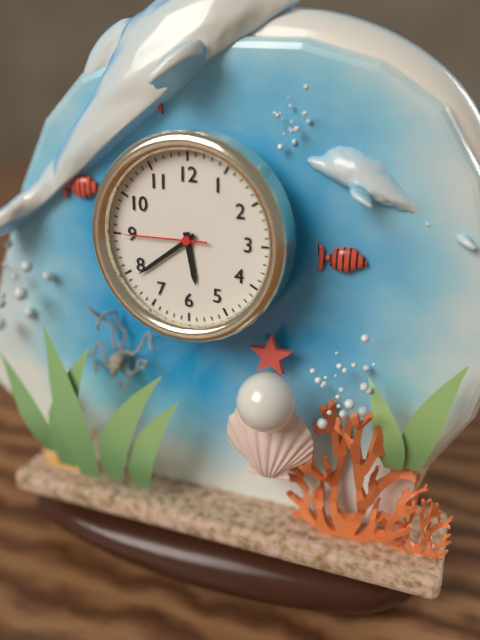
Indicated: 5,39,45
